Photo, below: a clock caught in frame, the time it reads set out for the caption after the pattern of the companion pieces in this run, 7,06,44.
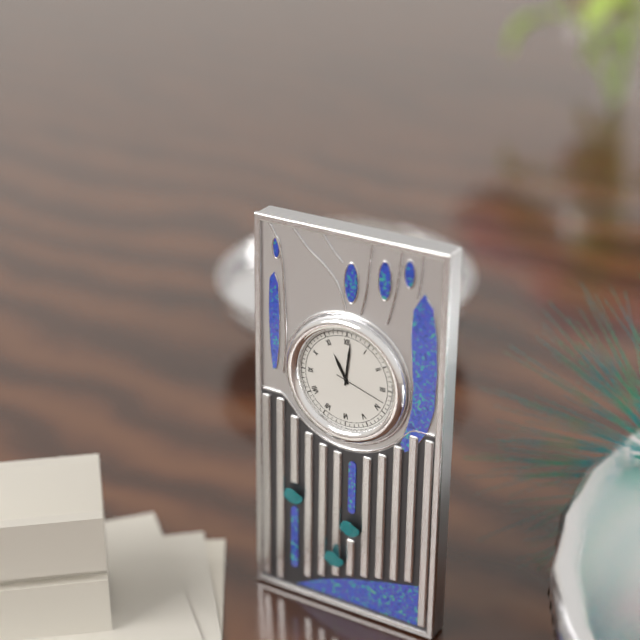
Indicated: 11,01,18
